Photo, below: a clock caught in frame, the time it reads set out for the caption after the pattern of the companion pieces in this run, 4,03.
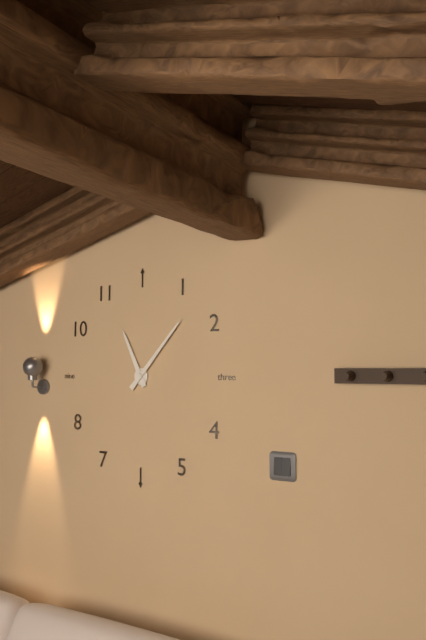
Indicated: 11,07
